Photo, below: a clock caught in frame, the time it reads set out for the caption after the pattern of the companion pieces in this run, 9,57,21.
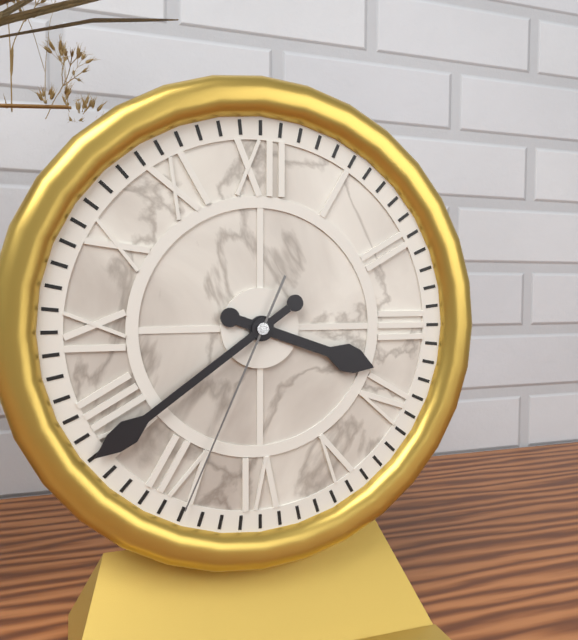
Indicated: 3,39,34
